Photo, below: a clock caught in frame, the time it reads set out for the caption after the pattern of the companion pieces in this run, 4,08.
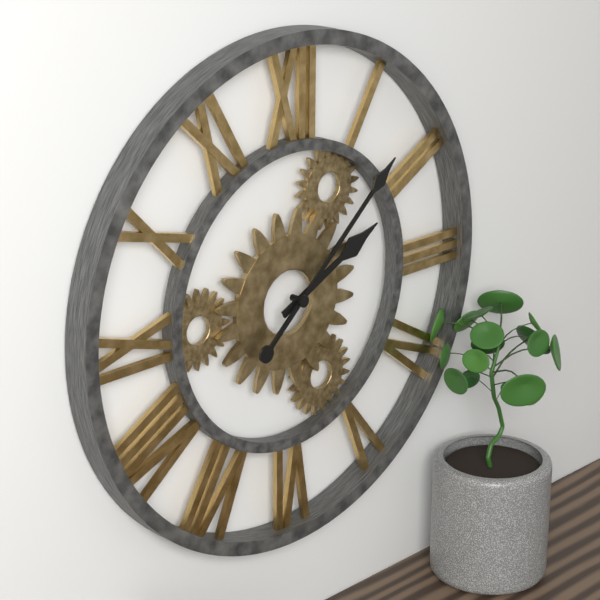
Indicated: 2,08
